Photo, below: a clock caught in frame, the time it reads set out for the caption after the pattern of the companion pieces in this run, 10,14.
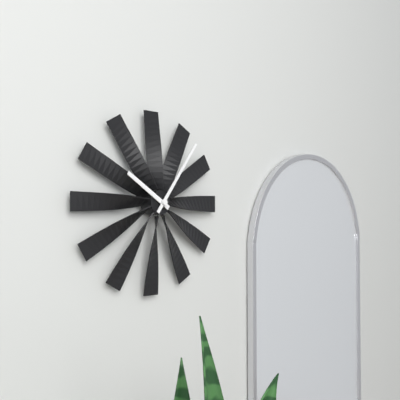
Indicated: 10,06
